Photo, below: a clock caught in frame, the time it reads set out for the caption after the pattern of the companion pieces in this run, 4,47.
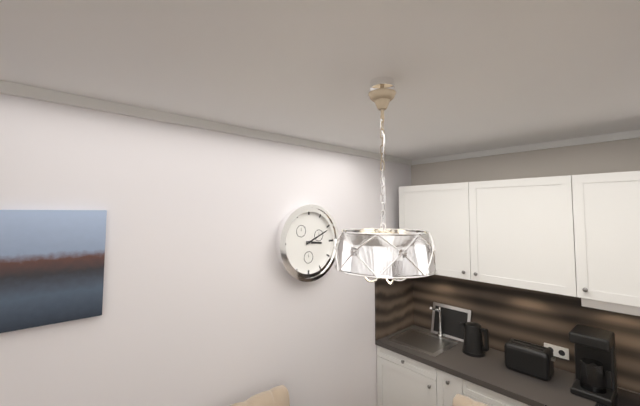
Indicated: 3,11
